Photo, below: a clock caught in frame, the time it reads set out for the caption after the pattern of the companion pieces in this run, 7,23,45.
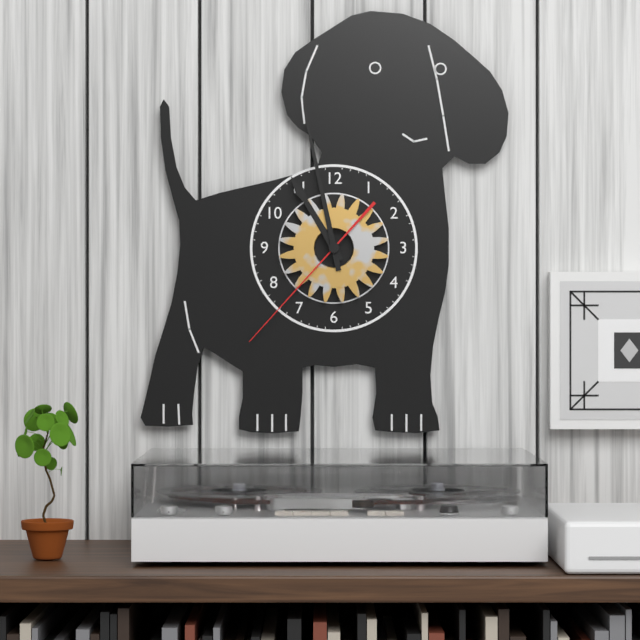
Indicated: 10,58,37
